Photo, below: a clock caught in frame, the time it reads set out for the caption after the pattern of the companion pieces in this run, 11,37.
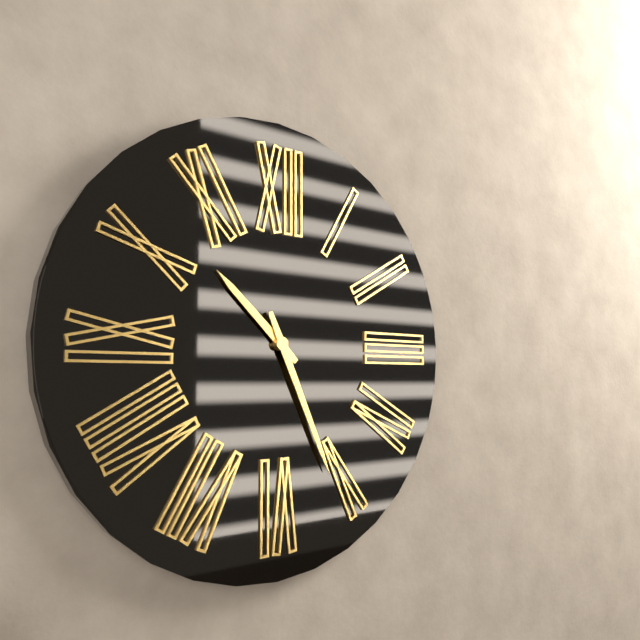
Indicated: 10,26
